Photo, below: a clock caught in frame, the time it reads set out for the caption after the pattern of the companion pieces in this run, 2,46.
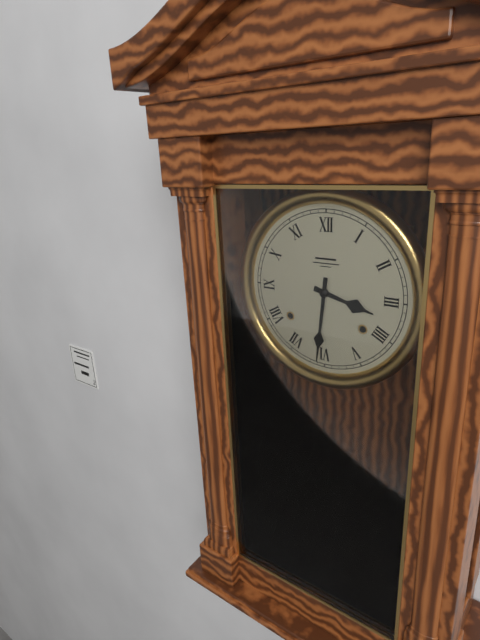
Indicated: 3,31
